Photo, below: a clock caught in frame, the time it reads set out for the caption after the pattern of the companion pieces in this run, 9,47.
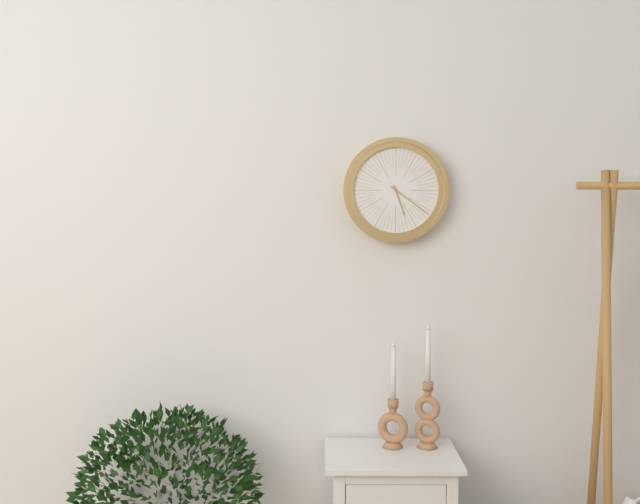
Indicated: 5,21
